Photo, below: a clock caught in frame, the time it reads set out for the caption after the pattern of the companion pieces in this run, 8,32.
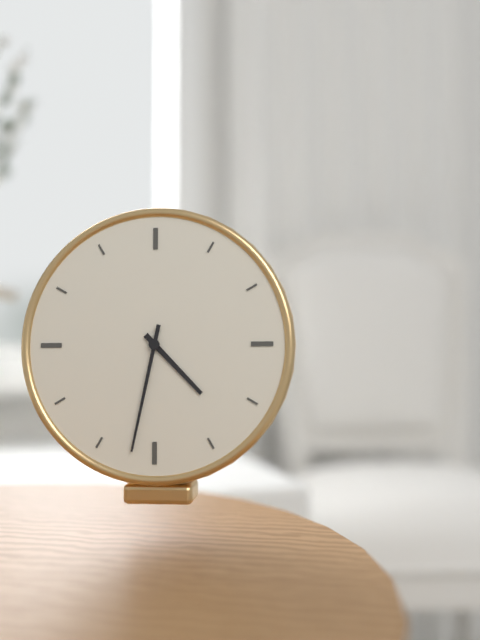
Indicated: 4,32
